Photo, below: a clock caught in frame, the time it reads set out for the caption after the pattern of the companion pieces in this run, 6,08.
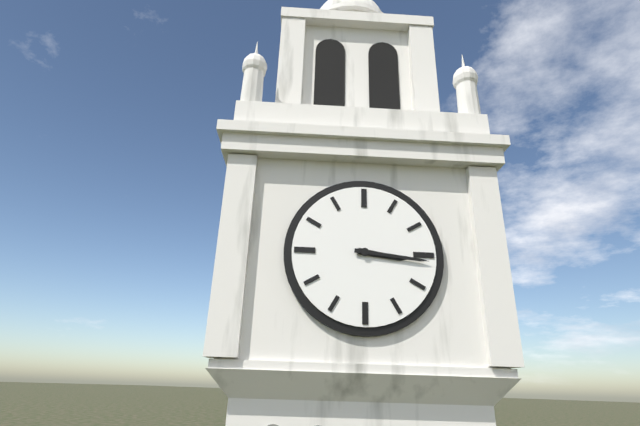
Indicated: 3,16
